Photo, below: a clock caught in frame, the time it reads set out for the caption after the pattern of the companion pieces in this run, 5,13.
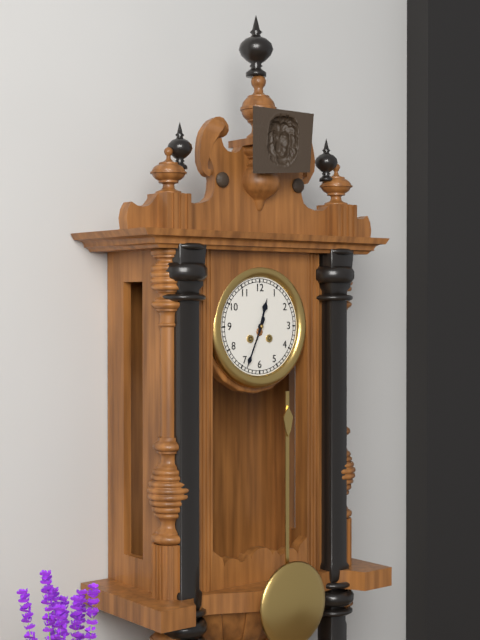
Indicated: 12,34
